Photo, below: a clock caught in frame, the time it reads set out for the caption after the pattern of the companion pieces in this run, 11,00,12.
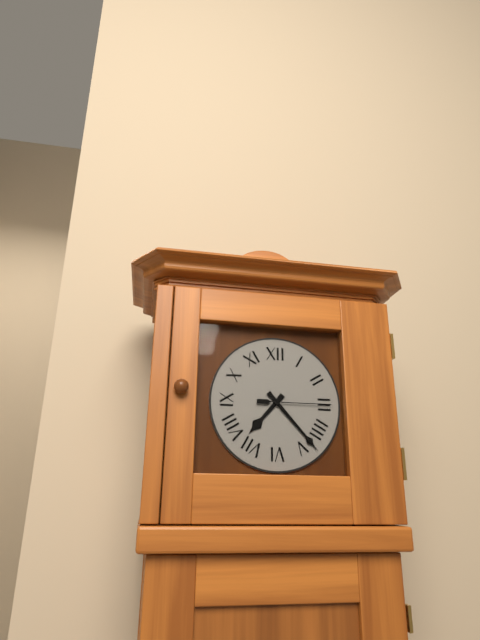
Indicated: 7,23,15
